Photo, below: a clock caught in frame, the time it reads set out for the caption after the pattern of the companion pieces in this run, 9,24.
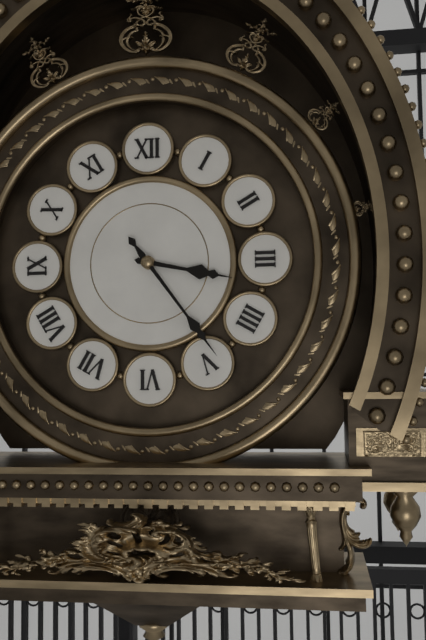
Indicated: 3,24
